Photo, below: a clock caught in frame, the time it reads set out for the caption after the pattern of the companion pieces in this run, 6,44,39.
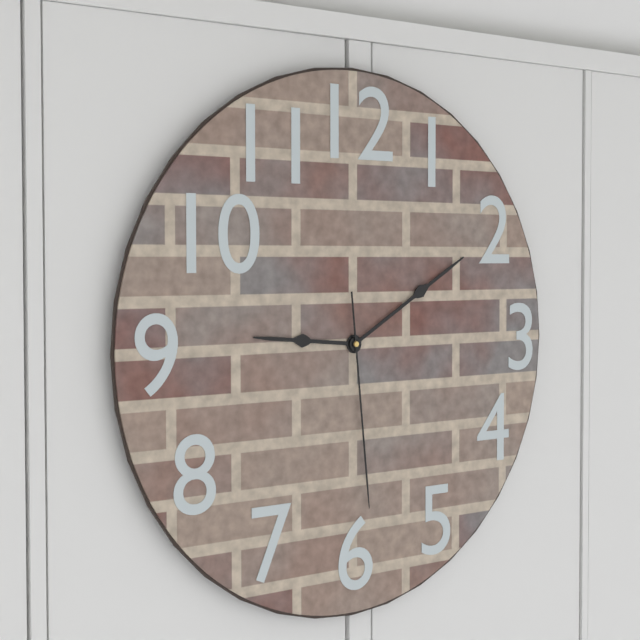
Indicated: 9,10,29
